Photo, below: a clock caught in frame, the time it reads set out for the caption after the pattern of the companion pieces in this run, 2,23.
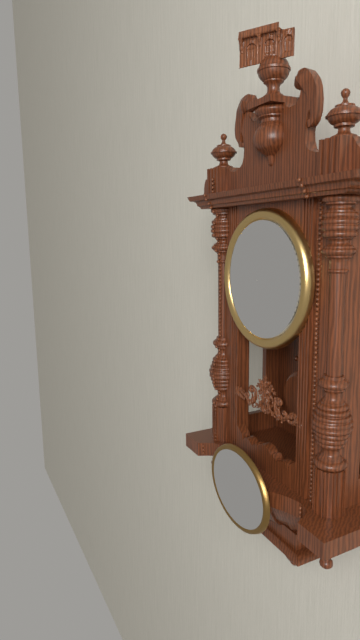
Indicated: 8,23
